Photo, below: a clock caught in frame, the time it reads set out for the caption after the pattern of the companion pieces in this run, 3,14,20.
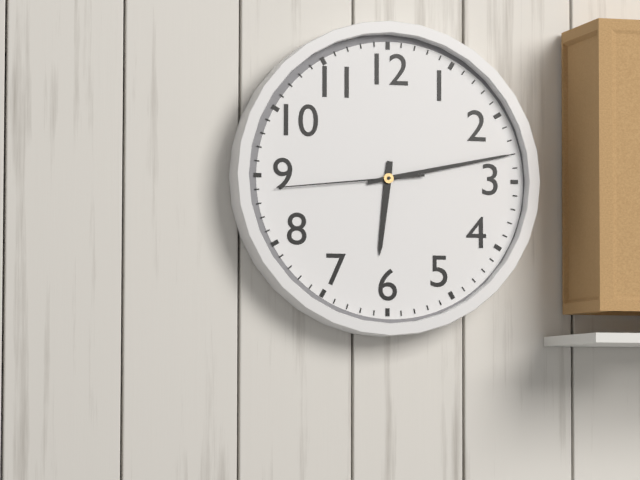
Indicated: 6,13,44
